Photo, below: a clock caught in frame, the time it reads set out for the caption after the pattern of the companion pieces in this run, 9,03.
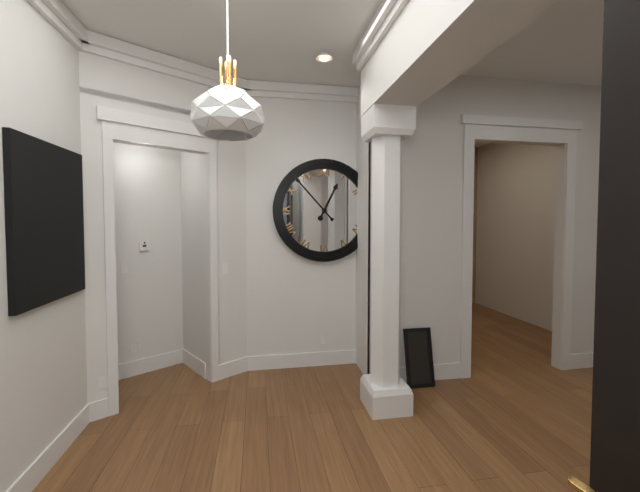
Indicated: 12,53
